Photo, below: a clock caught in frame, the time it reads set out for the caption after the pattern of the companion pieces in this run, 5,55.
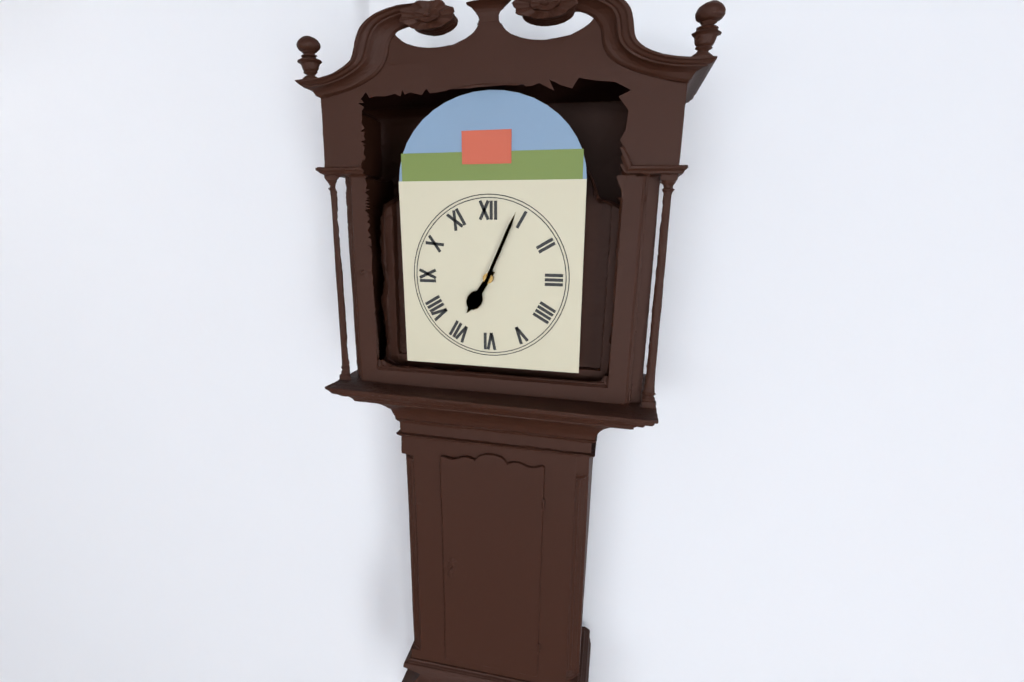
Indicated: 7,04
